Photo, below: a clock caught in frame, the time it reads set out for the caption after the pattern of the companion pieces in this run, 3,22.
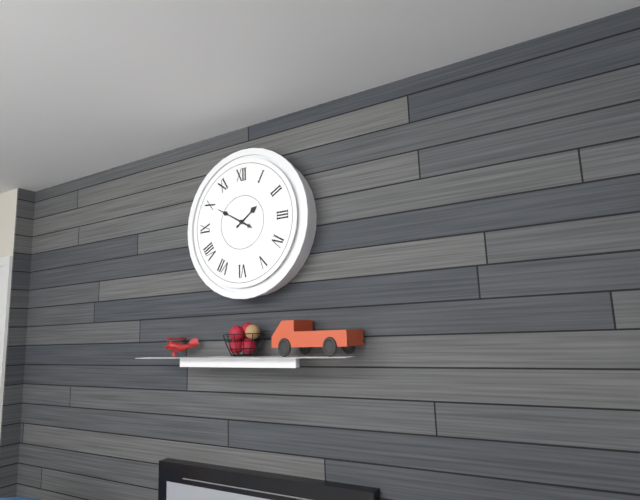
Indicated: 1,50
